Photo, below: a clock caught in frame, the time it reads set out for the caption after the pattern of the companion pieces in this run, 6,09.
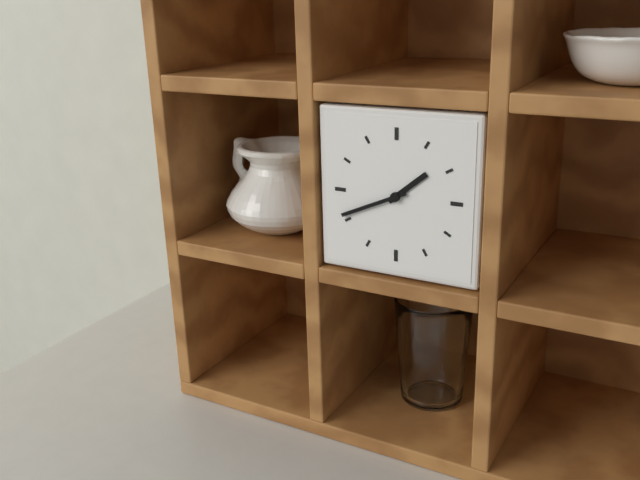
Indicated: 1,41
